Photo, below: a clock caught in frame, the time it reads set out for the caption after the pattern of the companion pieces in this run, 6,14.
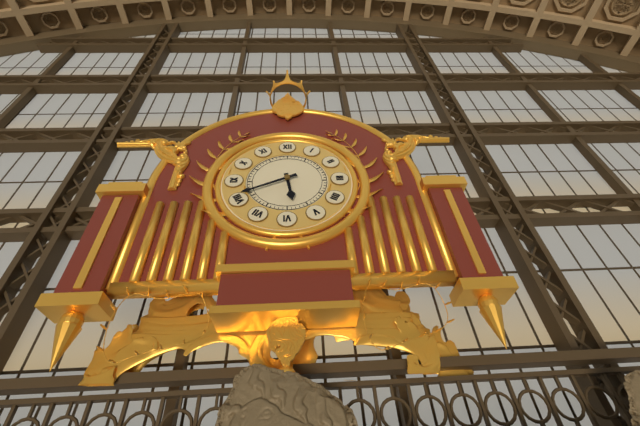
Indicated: 5,41
